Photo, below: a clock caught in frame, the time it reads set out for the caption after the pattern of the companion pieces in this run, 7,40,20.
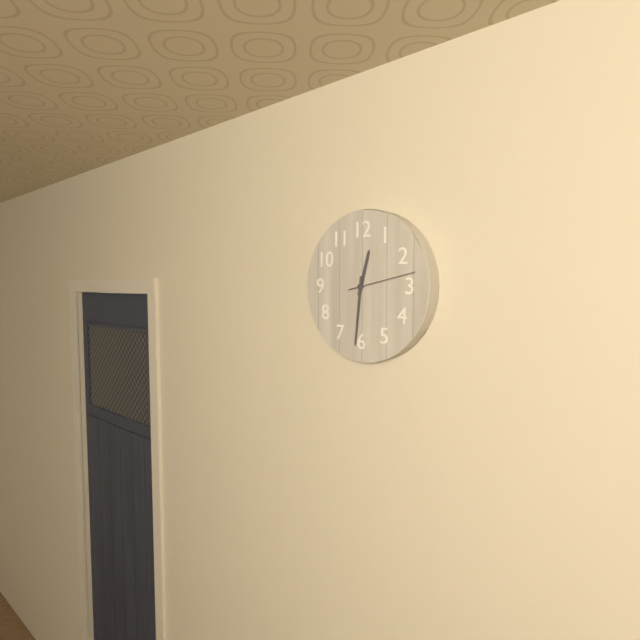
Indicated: 12,31,13
